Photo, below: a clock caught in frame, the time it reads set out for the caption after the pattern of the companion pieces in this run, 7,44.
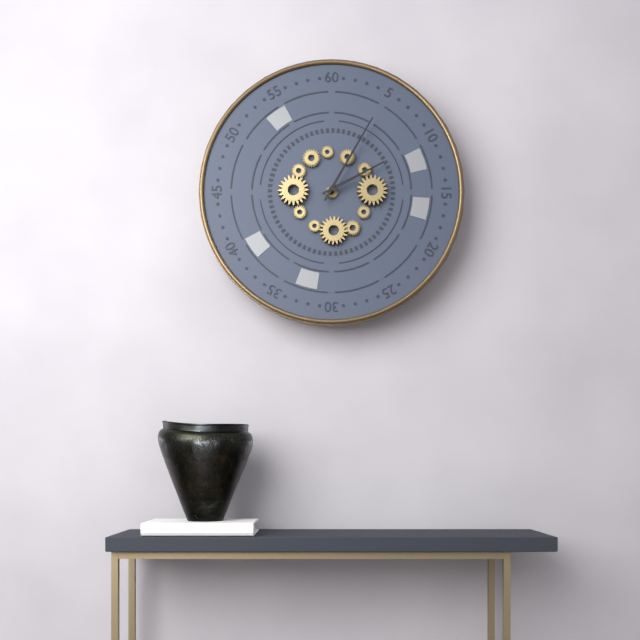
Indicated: 2,05
